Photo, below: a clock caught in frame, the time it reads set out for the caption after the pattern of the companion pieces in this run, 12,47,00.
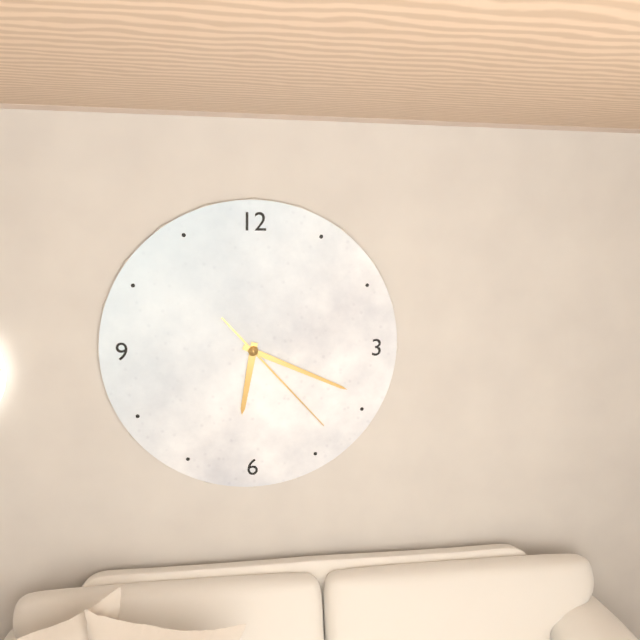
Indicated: 6,19,23
